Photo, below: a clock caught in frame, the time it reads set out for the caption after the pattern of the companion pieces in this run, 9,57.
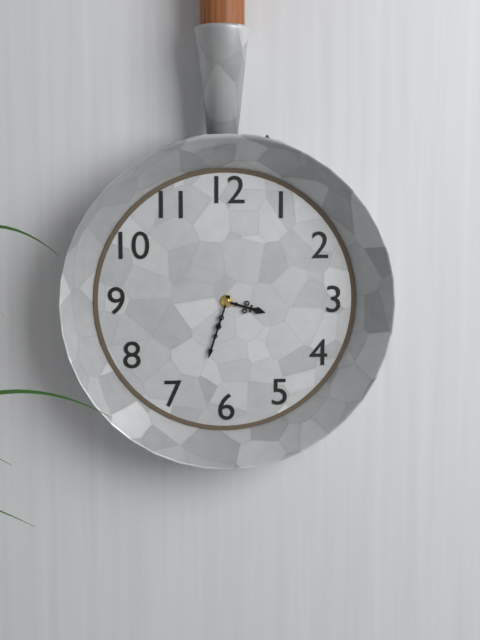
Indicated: 3,33
